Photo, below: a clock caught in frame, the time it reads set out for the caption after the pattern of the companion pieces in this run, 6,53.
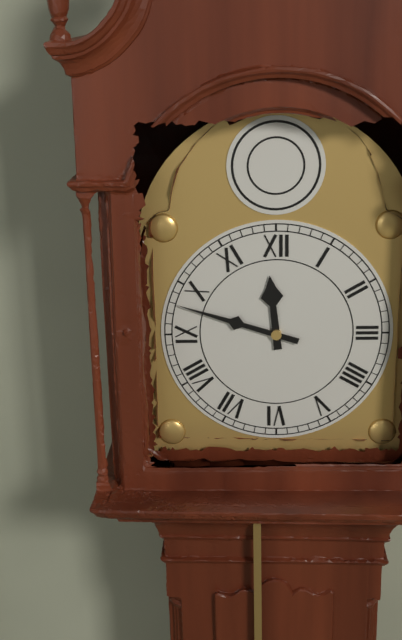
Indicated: 11,48
